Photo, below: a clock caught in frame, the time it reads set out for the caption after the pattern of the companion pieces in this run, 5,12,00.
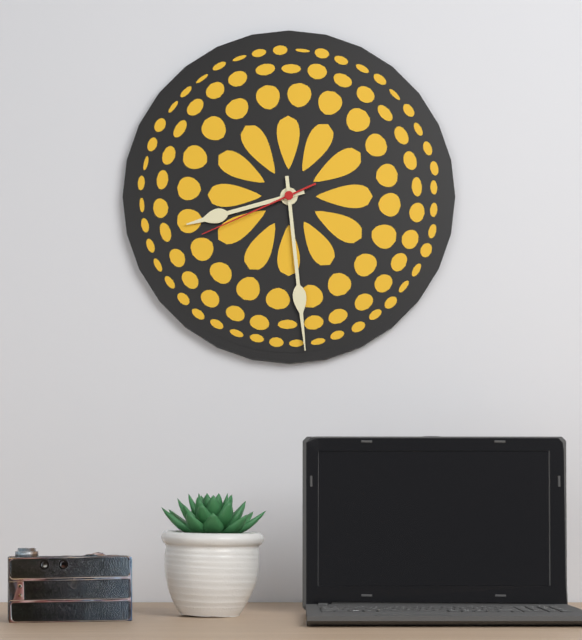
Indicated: 8,29,41
